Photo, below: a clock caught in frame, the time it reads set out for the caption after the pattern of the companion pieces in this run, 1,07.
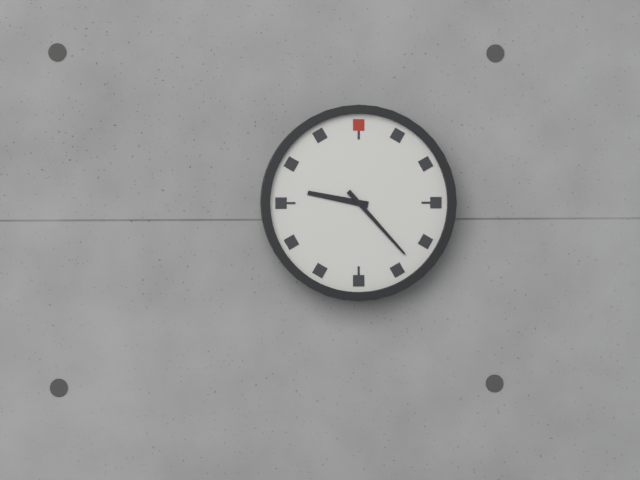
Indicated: 9,23
